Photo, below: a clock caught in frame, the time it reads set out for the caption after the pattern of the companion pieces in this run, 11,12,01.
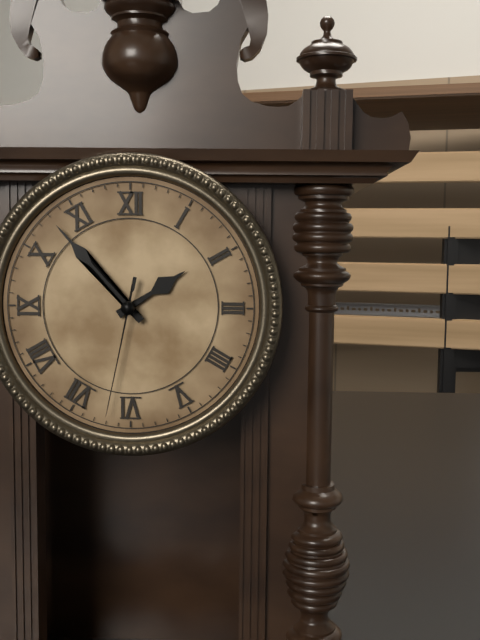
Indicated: 1,53,32
